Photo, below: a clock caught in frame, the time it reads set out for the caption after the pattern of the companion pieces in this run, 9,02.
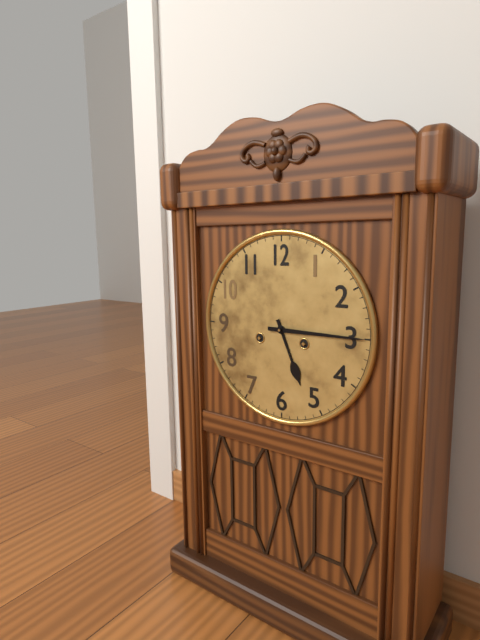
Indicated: 5,15
